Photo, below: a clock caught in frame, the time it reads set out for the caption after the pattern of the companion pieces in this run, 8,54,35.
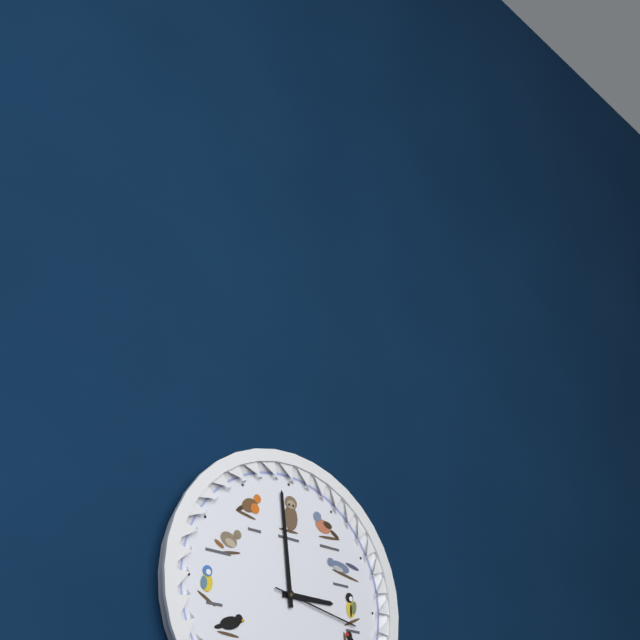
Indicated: 2,59,17
